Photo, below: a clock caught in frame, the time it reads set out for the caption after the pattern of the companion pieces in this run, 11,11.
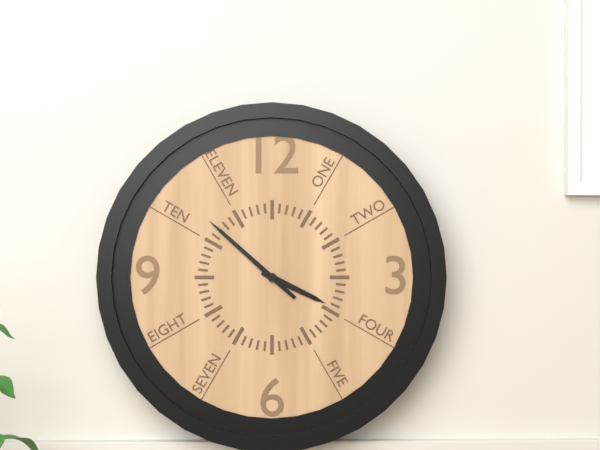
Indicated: 3,52
